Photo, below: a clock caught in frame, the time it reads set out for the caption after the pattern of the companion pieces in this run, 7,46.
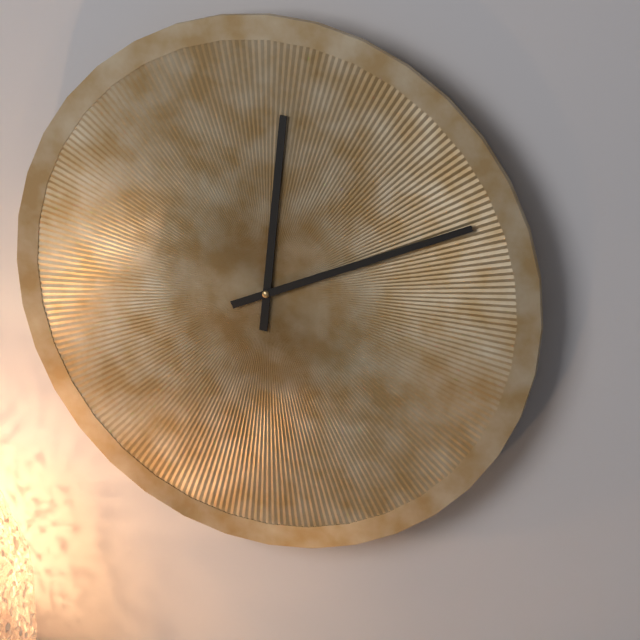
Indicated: 12,11
